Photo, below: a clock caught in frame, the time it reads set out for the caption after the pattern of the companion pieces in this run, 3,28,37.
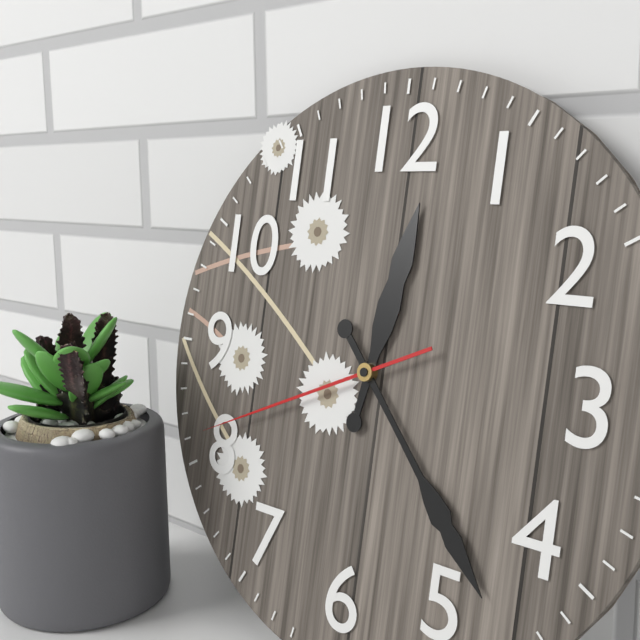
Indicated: 12,23,41
